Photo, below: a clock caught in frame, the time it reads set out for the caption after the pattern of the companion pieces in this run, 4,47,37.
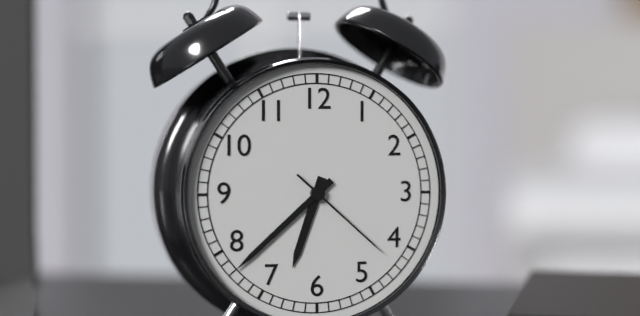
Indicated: 6,38,22
